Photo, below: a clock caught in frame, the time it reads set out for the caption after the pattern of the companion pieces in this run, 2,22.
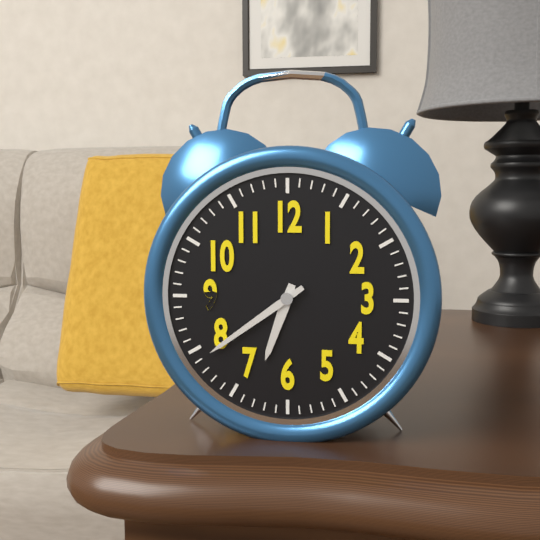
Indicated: 6,39
